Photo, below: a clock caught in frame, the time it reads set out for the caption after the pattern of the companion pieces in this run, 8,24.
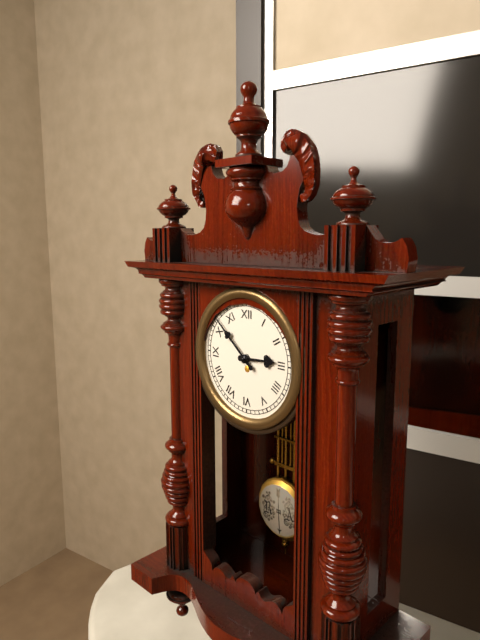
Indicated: 2,52
